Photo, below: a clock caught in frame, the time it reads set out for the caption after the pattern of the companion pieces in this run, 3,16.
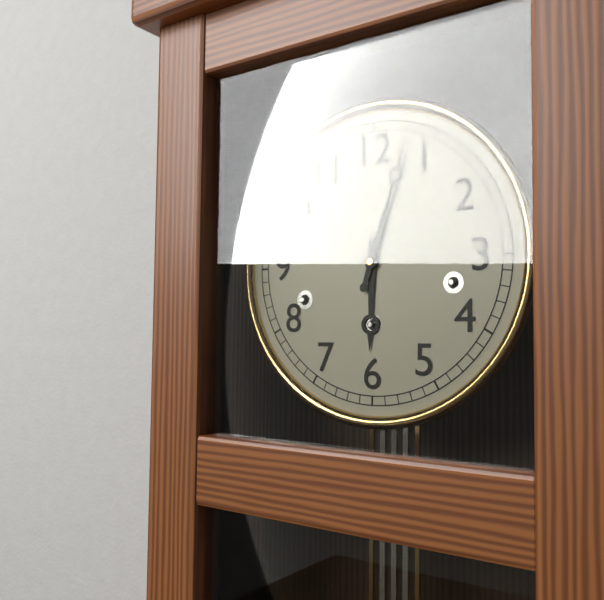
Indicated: 6,03
